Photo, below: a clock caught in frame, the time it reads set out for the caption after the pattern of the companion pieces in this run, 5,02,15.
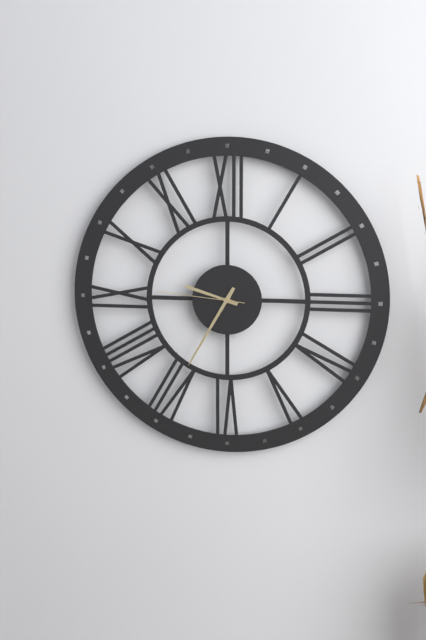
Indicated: 9,35,46
